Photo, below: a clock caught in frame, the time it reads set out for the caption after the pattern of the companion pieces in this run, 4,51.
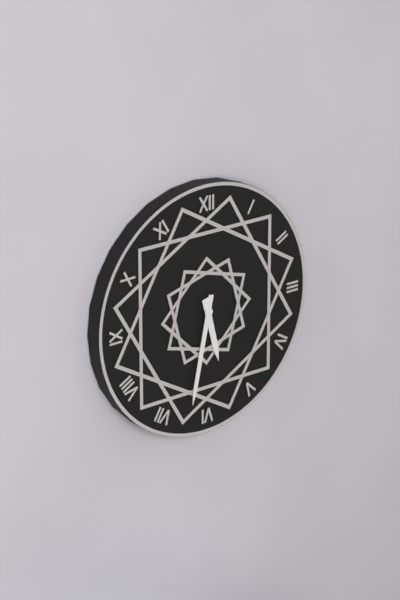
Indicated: 5,32
